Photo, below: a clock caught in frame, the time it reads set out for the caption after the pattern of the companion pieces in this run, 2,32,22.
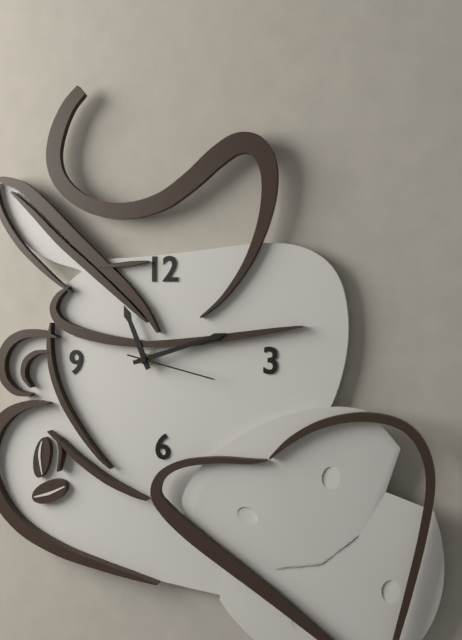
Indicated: 11,12,17
